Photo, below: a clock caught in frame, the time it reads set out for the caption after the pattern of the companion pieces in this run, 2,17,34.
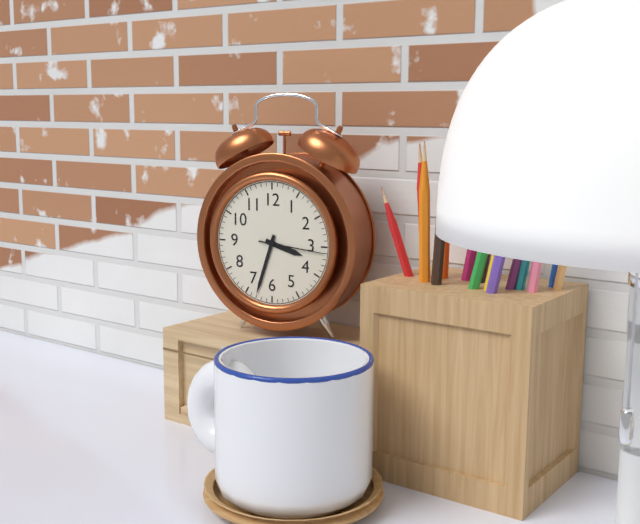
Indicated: 3,33,16
